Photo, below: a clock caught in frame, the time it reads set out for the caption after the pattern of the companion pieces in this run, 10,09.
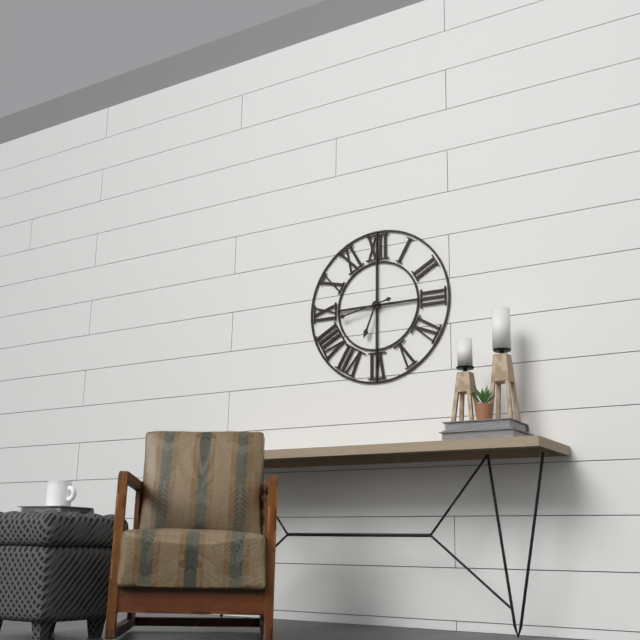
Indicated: 6,43
